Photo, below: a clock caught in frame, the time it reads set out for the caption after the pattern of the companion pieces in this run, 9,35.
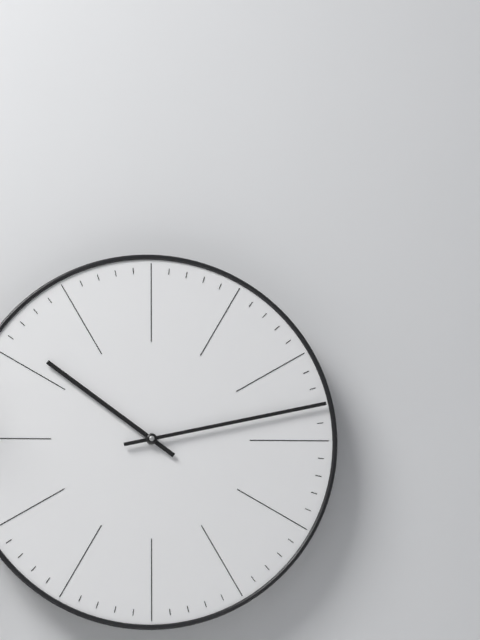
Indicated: 10,13
